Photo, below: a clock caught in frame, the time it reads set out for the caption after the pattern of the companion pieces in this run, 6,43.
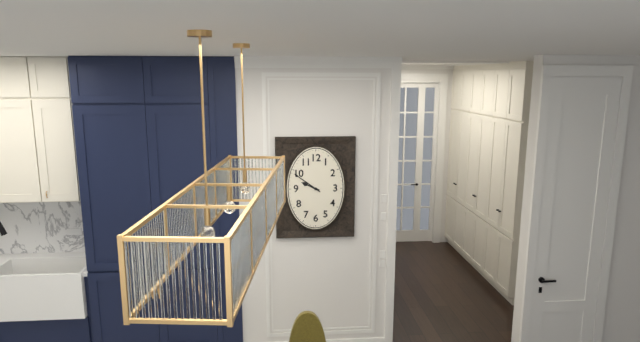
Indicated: 9,51
